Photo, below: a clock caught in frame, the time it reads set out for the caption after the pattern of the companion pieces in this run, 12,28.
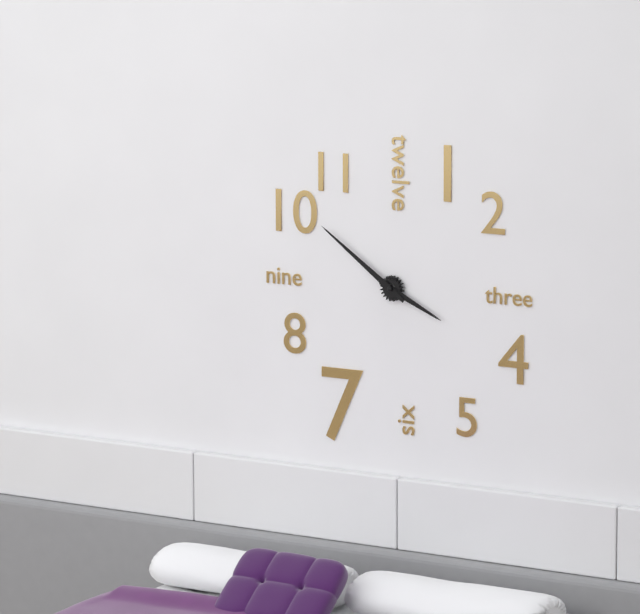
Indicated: 3,51
